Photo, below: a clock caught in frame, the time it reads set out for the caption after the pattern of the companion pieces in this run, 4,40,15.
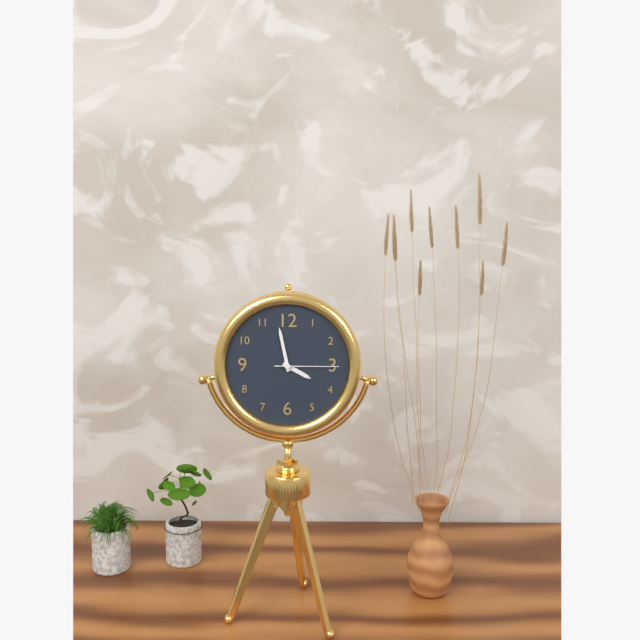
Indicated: 3,58,15
